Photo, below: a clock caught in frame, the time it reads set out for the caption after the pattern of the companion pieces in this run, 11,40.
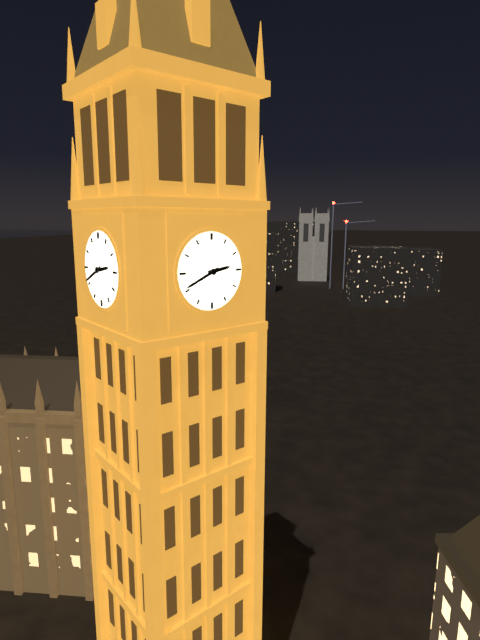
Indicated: 2,41
